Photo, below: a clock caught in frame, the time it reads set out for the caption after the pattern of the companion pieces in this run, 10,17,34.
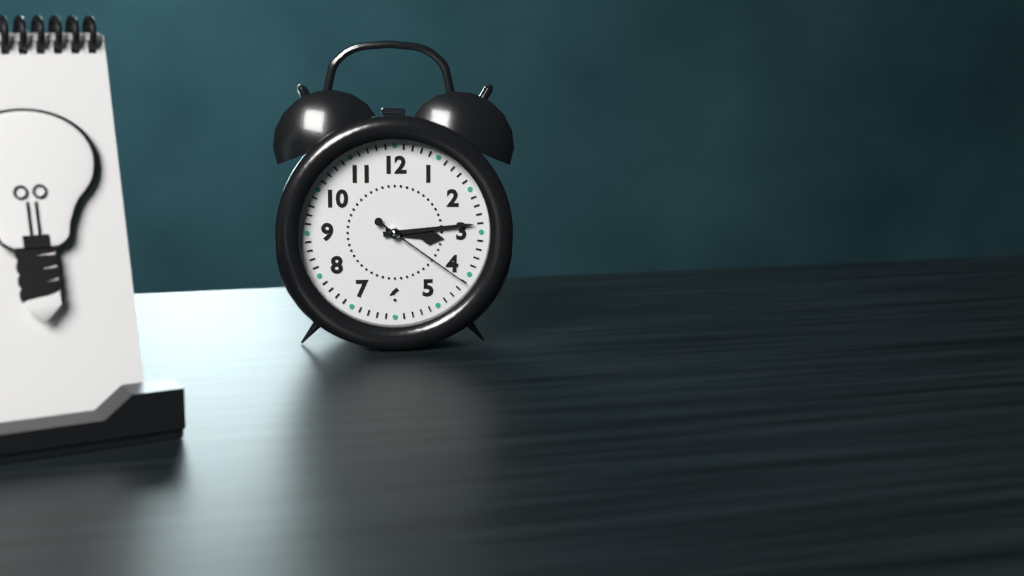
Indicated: 3,14,21
